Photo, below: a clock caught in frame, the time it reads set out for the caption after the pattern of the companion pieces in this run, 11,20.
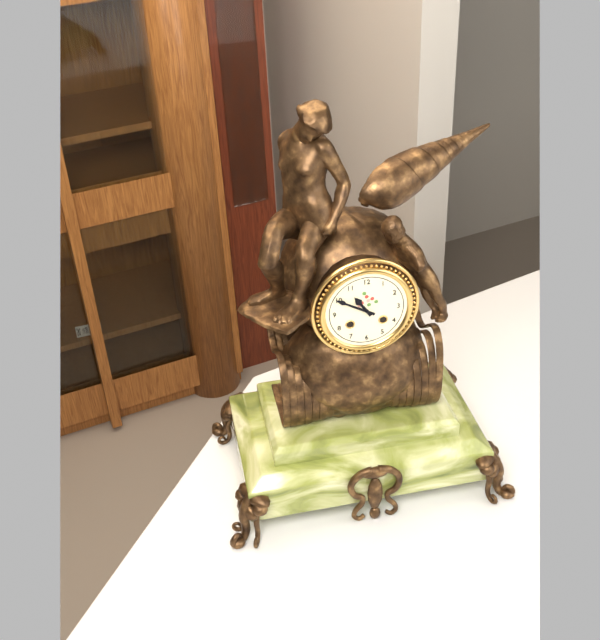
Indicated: 10,50
